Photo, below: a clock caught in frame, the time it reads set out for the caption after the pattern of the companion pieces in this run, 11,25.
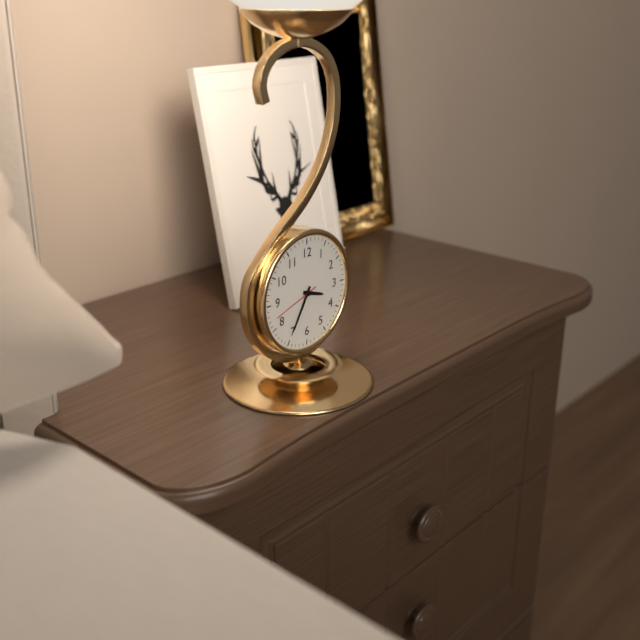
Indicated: 3,35
